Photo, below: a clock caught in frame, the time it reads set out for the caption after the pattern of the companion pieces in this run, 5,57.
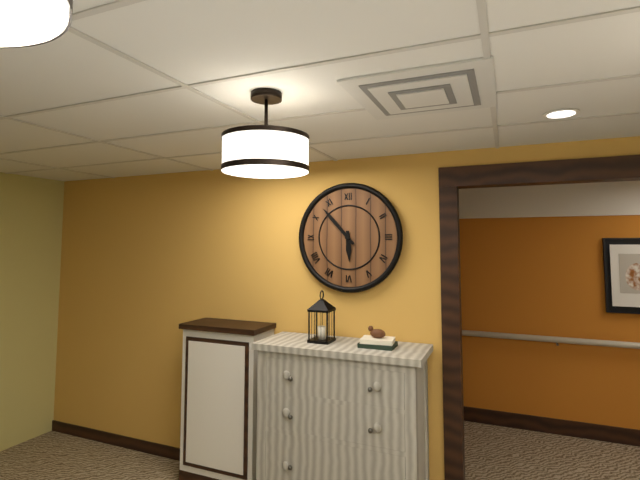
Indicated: 5,53
